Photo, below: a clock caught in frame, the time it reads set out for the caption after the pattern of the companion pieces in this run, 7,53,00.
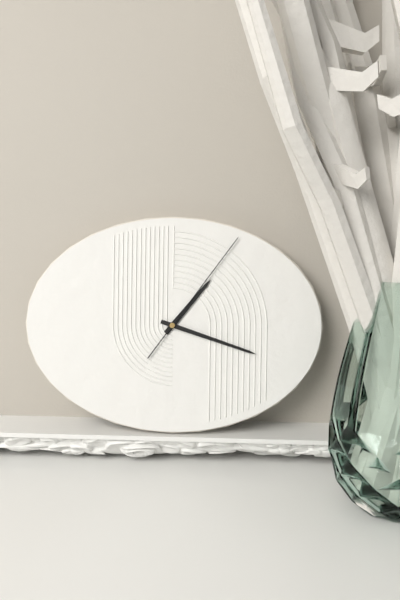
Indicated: 1,18,06
